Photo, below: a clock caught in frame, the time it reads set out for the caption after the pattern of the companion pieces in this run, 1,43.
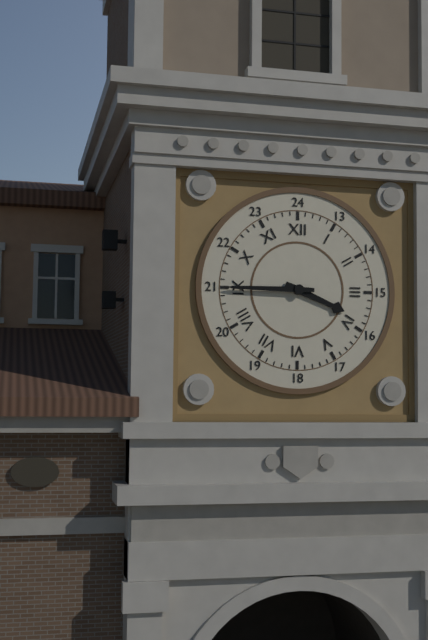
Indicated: 3,45
